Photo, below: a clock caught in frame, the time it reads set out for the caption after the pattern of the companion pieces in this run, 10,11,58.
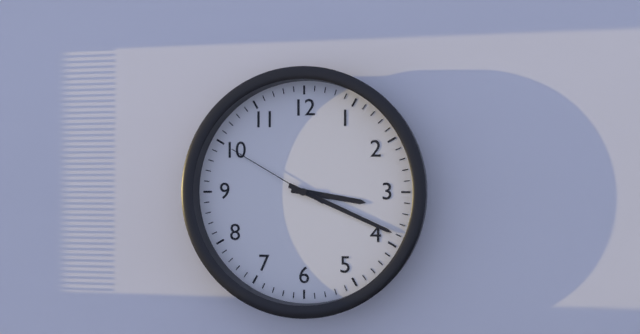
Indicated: 3,19,50
